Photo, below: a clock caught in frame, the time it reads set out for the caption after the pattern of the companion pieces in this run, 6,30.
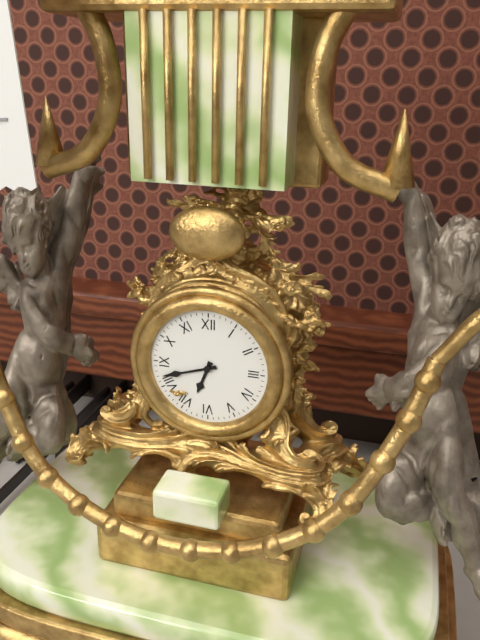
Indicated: 6,42
